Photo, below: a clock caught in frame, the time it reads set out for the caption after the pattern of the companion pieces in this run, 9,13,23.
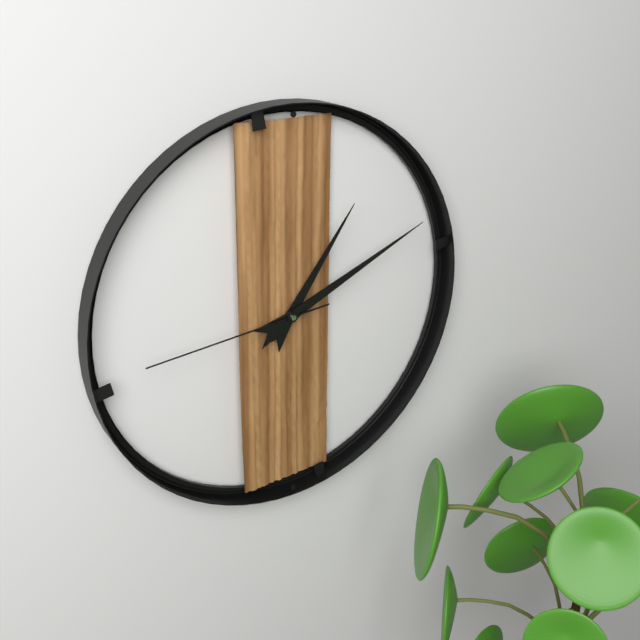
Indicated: 1,11,44
